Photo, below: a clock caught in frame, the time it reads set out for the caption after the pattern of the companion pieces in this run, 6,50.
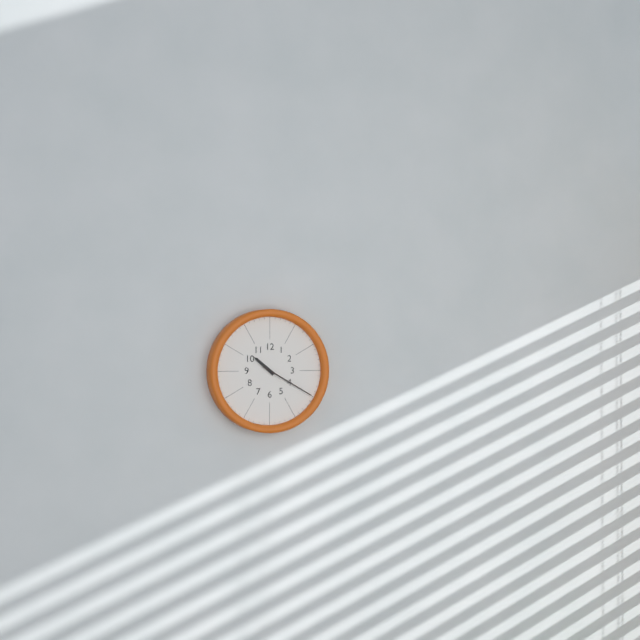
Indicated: 10,20
